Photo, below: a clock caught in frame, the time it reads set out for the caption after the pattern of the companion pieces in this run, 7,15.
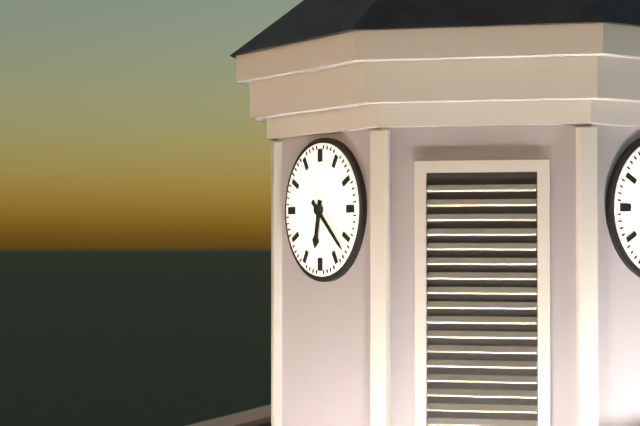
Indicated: 6,22
